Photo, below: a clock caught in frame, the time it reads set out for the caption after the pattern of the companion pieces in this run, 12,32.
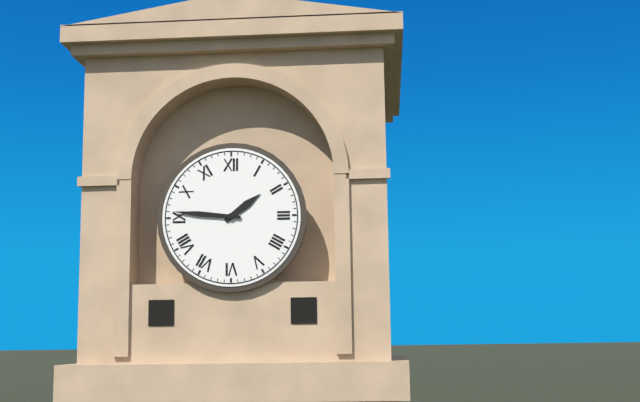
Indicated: 1,46
